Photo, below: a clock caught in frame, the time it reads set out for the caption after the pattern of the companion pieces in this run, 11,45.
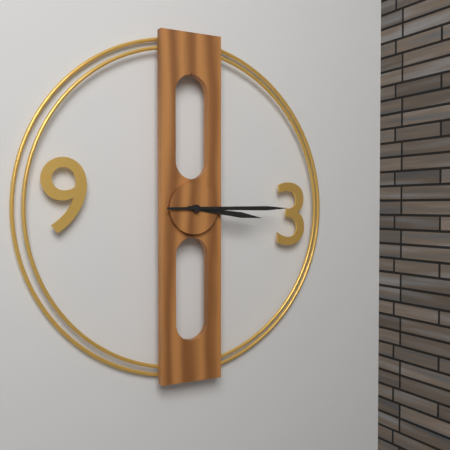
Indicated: 3,15
